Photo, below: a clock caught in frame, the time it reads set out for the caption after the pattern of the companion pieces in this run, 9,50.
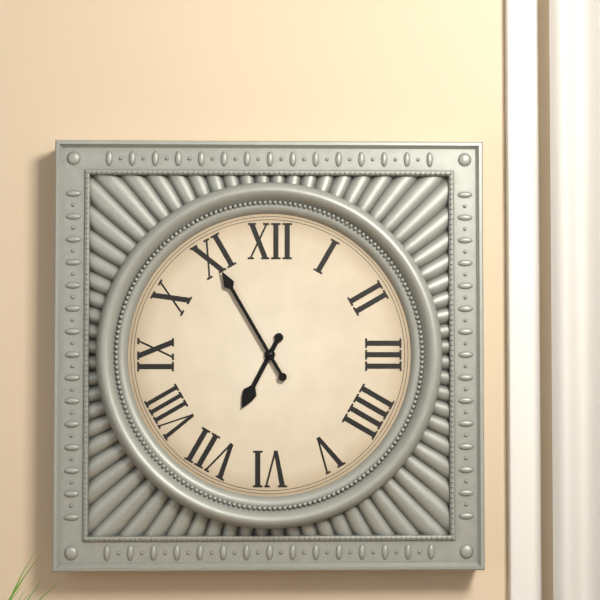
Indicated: 6,55
